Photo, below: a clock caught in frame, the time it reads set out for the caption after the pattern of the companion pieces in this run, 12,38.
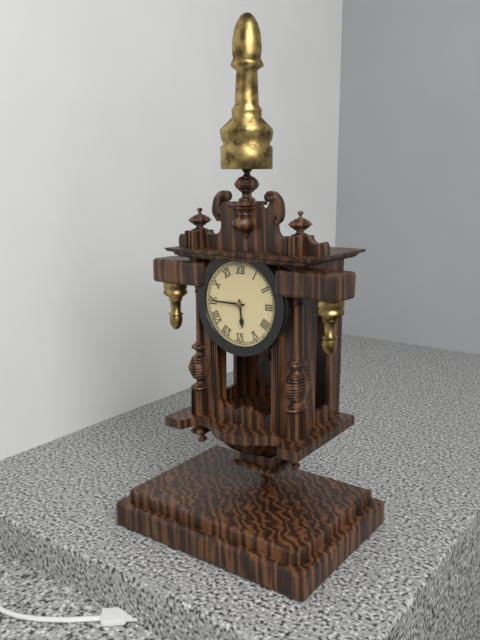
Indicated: 5,45
